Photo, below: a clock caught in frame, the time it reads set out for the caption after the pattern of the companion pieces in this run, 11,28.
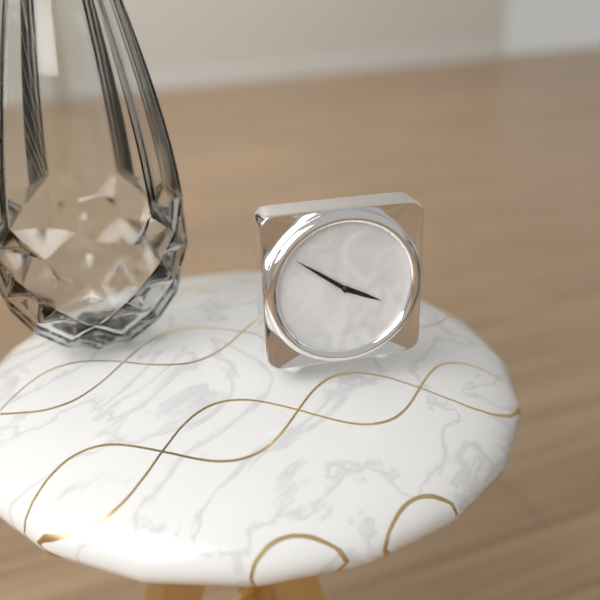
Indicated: 3,51
